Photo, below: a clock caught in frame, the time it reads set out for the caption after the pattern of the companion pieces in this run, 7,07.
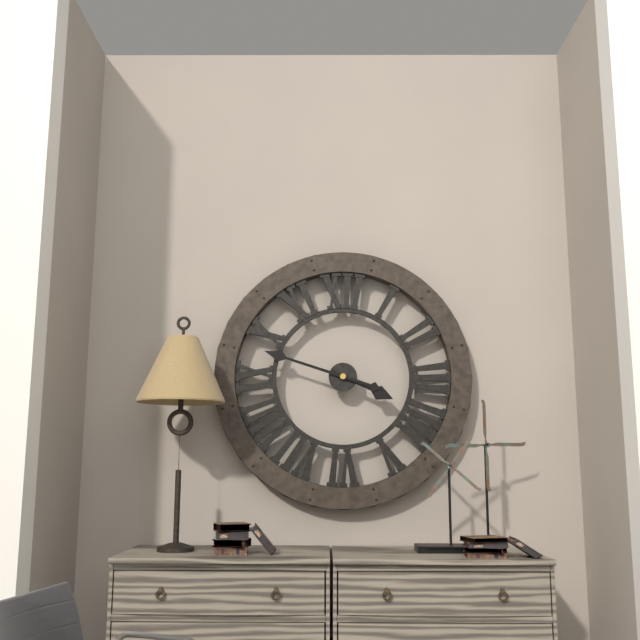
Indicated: 3,48
